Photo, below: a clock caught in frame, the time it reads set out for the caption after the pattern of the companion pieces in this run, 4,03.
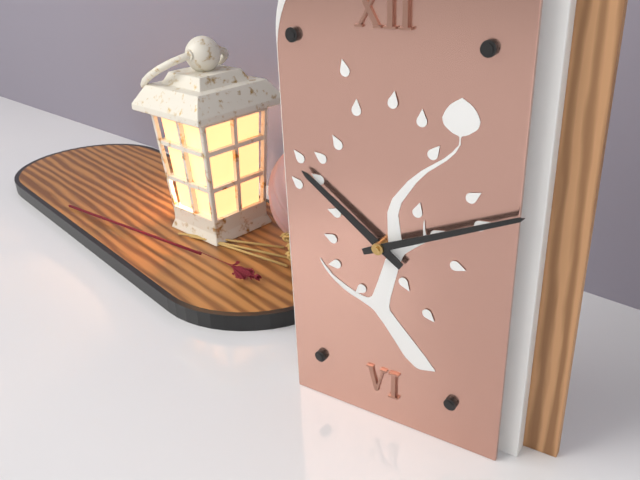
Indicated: 10,11
